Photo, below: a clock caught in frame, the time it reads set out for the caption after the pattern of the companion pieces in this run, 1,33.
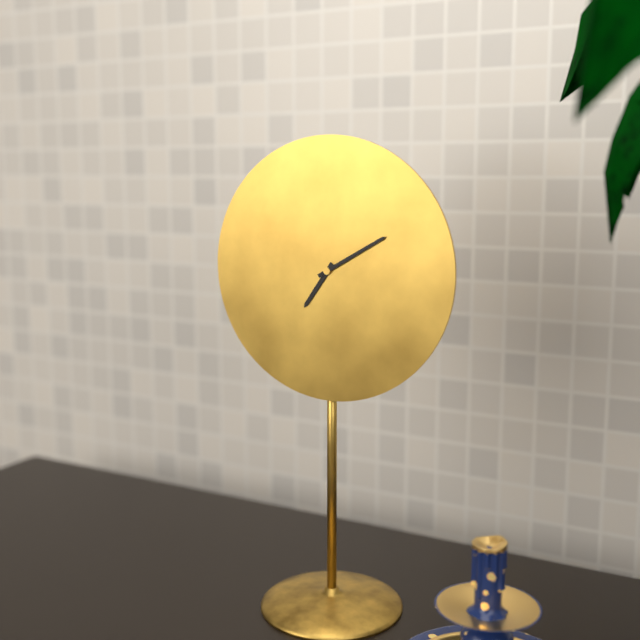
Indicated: 7,10
